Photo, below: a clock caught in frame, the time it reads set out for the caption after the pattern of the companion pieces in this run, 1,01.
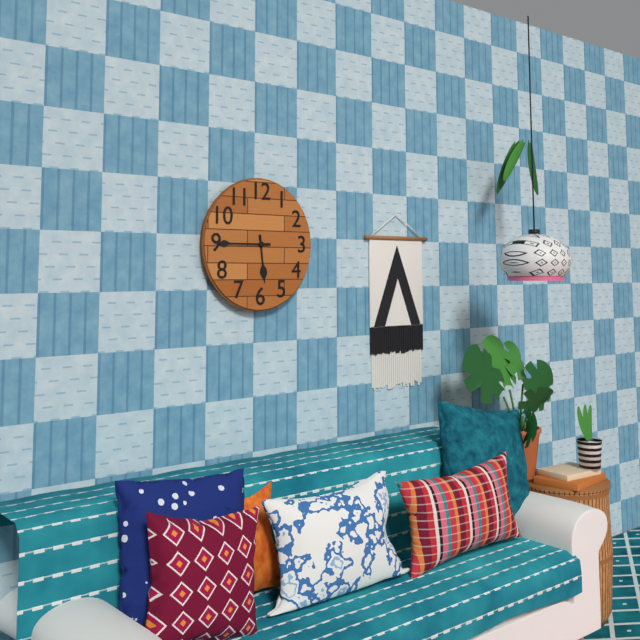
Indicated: 5,45
